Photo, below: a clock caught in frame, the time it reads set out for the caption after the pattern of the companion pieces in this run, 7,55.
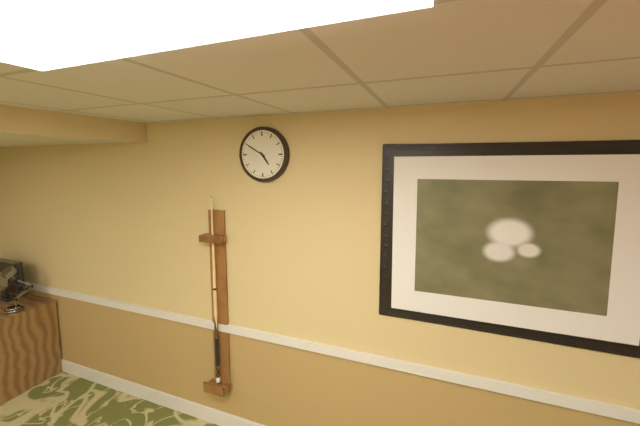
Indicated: 4,50
